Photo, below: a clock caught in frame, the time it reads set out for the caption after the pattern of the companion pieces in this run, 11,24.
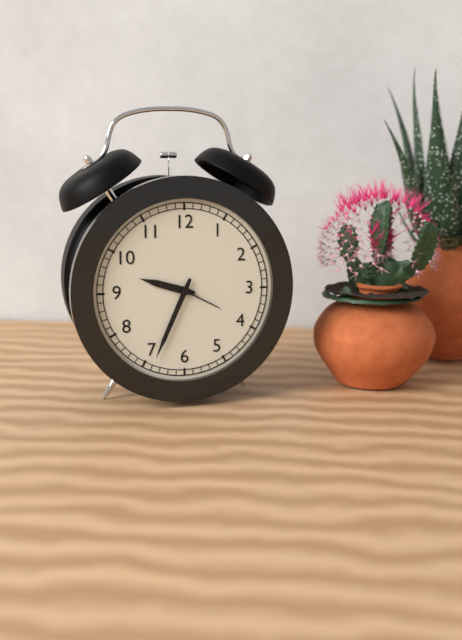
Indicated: 9,34
